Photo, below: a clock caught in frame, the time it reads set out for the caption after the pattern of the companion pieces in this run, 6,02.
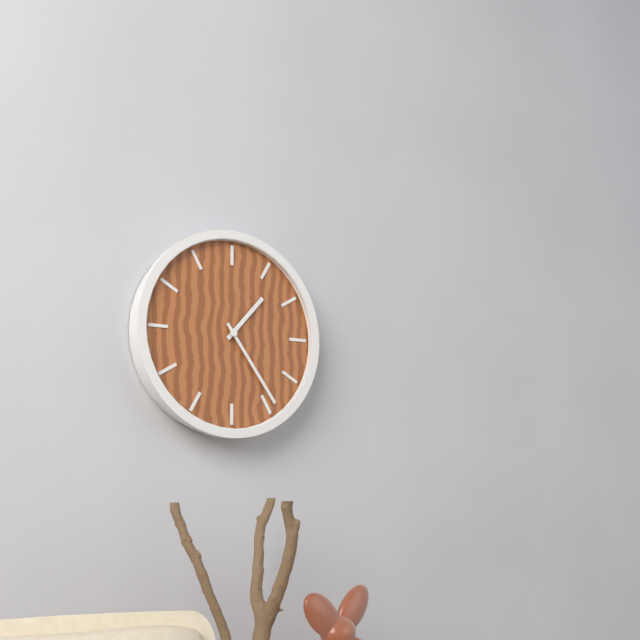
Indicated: 1,24
